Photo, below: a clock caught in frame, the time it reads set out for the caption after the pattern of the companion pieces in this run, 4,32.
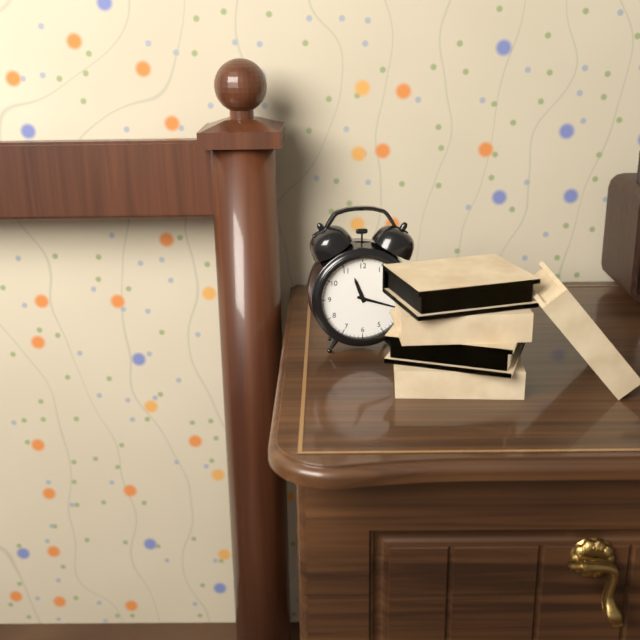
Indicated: 11,18
